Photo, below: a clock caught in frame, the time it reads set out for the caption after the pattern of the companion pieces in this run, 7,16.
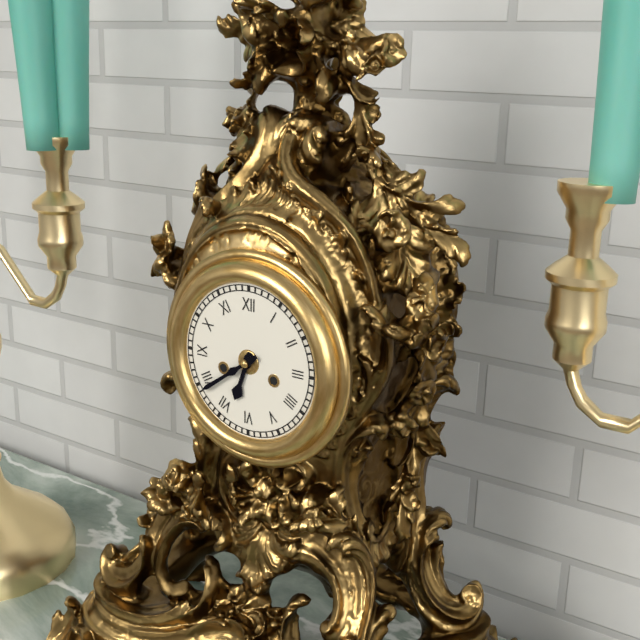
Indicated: 6,39
